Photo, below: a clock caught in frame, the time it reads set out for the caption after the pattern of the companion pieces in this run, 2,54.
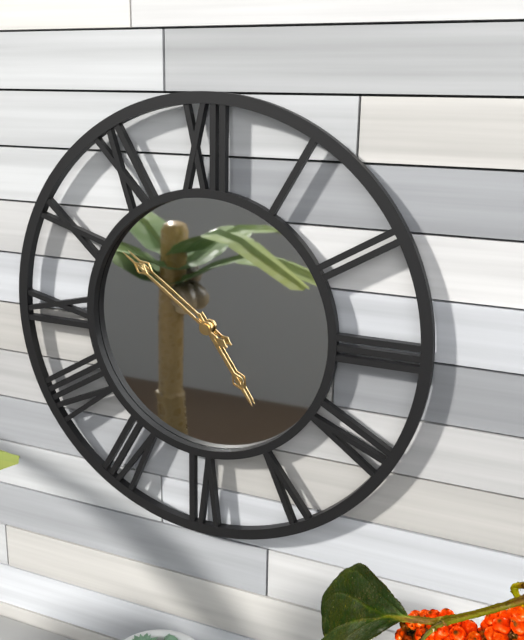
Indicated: 4,51
